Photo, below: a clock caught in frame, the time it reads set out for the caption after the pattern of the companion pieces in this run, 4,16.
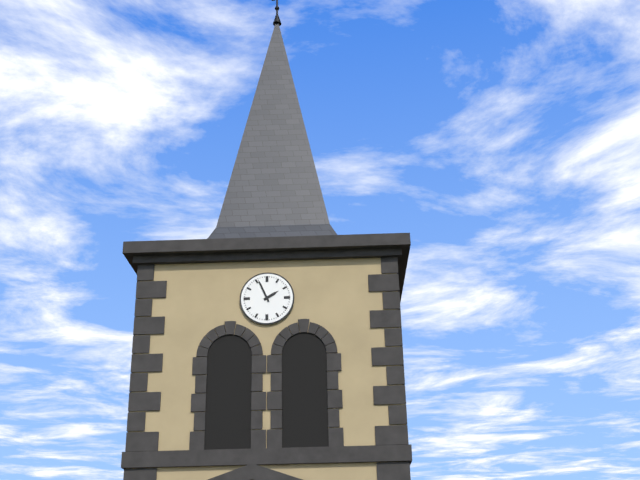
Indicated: 1,56
